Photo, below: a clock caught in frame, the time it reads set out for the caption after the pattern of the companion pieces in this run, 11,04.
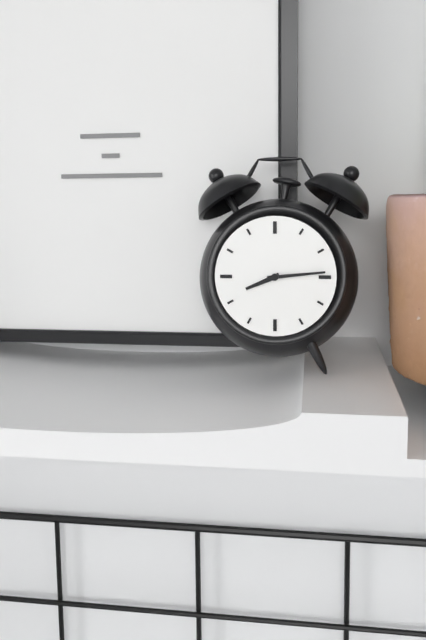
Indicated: 8,14
